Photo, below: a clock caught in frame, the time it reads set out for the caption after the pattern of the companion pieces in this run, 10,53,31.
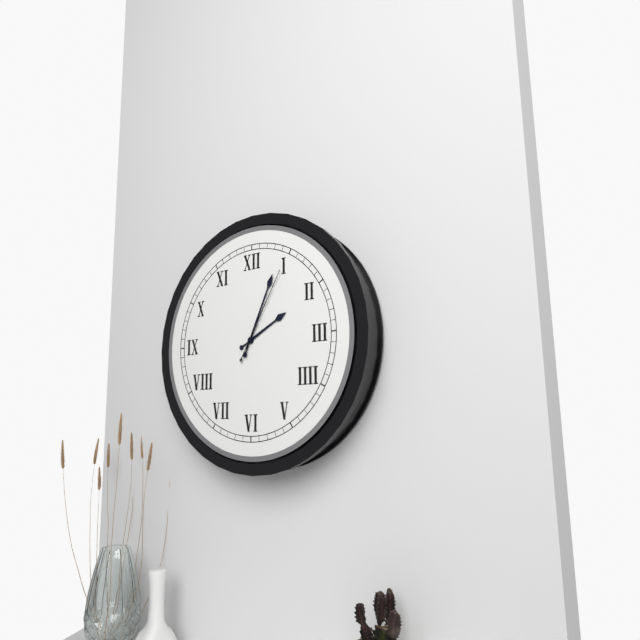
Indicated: 2,04,05
